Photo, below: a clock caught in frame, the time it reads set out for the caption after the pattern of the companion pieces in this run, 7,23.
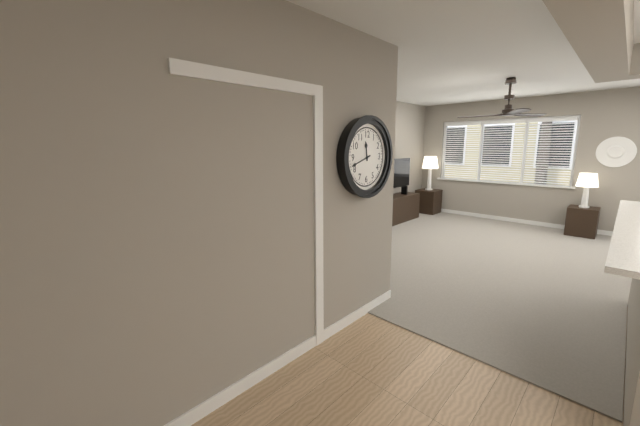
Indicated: 11,42
